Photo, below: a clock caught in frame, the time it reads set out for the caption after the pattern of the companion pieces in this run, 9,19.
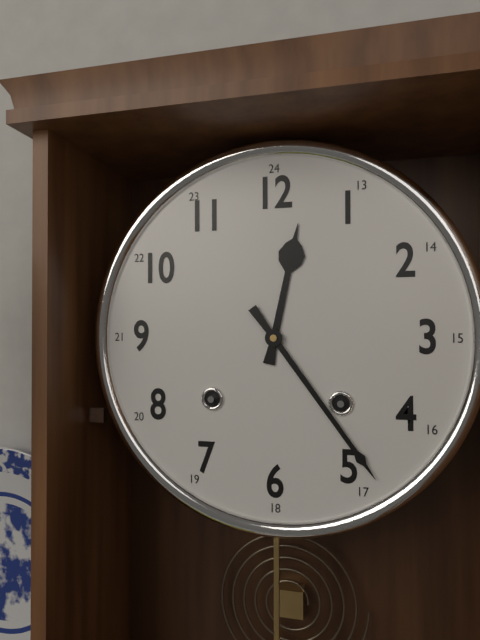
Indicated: 12,24
